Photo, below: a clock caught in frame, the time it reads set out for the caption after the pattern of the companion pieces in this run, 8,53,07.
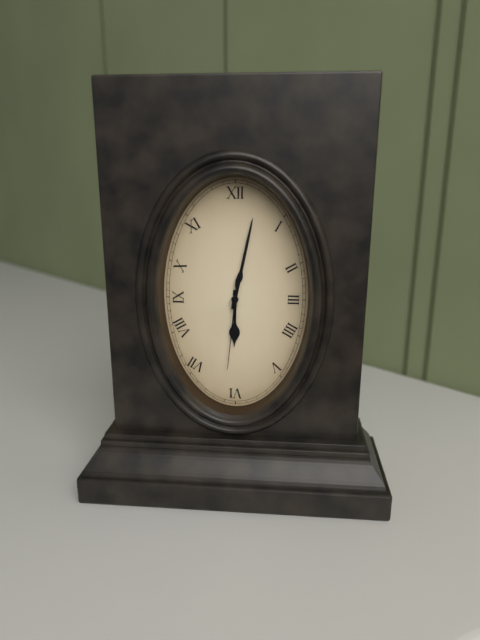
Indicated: 6,02,31
